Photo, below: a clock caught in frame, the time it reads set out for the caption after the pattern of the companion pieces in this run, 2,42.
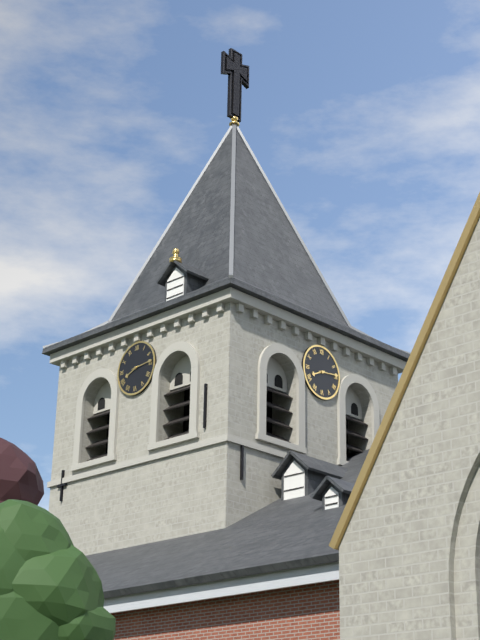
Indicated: 8,14
